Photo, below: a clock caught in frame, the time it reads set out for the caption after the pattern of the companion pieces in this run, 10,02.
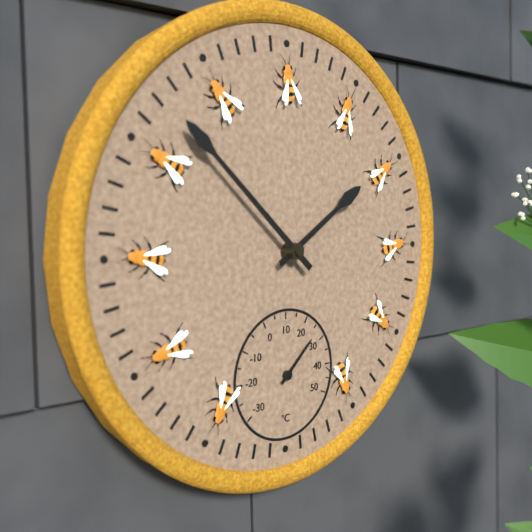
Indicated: 1,52
